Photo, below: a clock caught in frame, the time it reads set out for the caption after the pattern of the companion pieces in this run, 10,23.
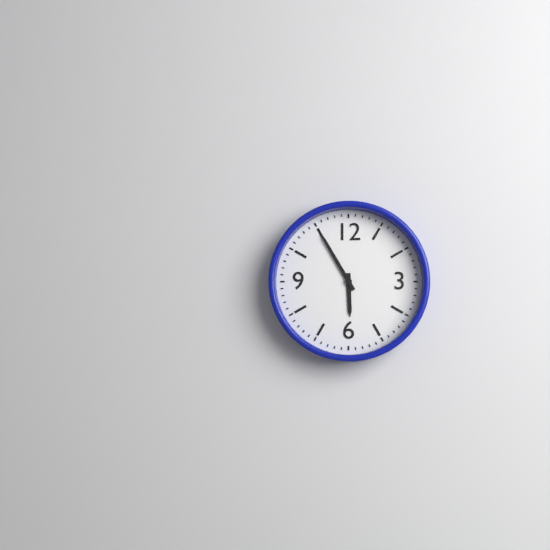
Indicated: 5,55
